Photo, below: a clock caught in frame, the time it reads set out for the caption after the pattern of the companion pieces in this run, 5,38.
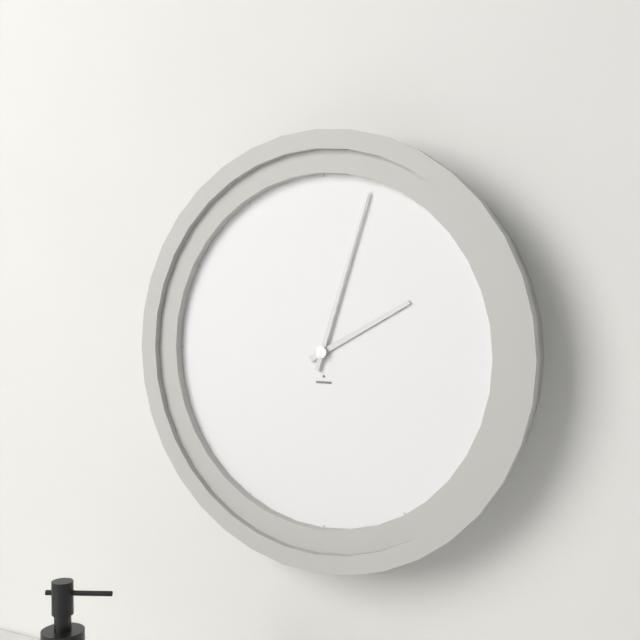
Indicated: 2,03
